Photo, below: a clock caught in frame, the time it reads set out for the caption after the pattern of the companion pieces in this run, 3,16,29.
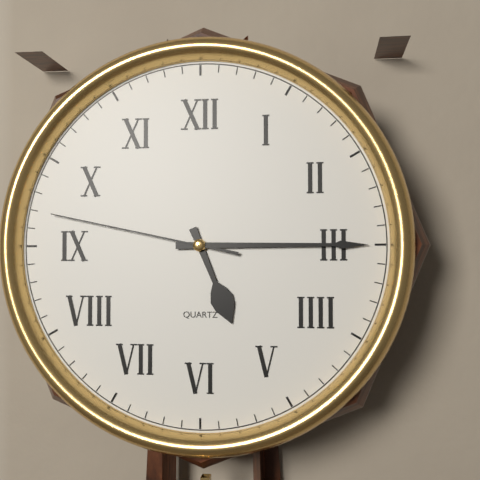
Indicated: 5,15,47
